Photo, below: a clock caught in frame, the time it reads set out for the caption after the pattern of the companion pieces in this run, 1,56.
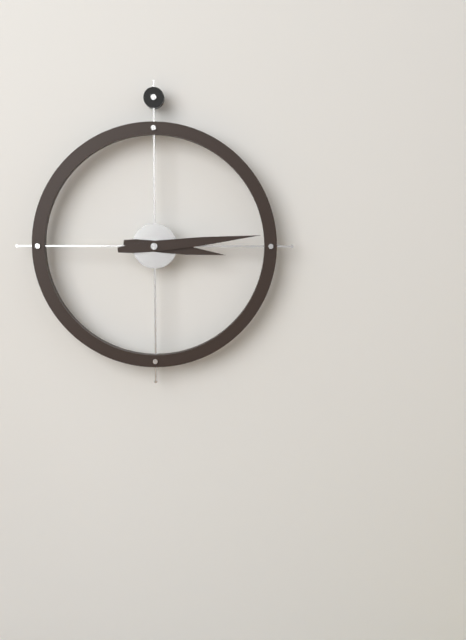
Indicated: 3,14
